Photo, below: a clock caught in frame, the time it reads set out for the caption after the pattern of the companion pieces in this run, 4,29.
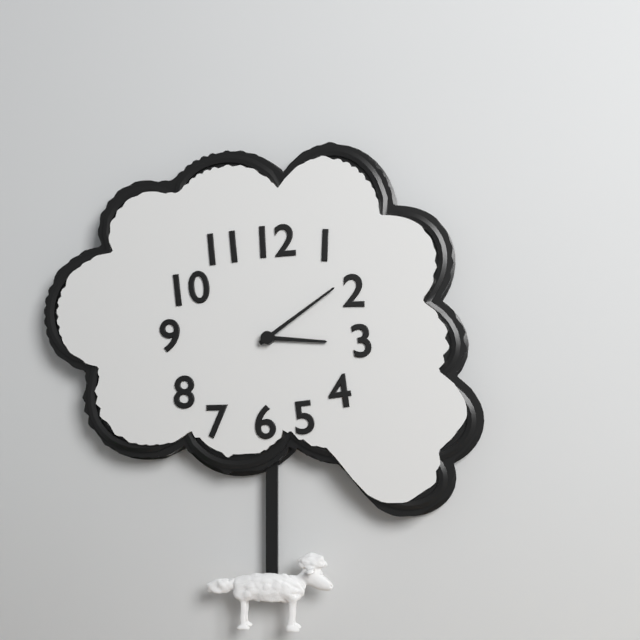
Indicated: 3,09
